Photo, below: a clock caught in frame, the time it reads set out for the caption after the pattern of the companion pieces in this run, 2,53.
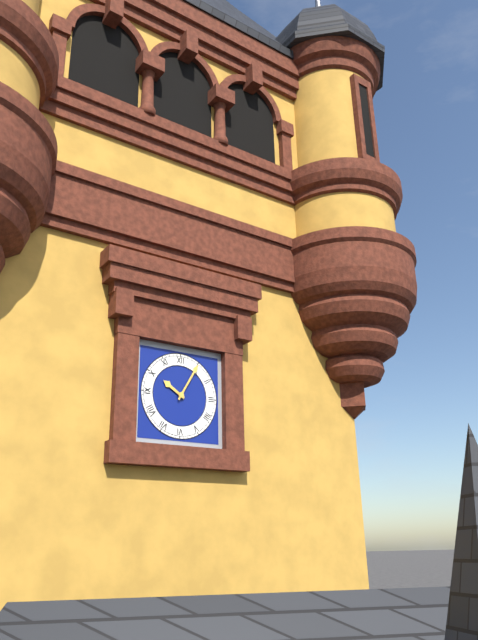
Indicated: 10,05
